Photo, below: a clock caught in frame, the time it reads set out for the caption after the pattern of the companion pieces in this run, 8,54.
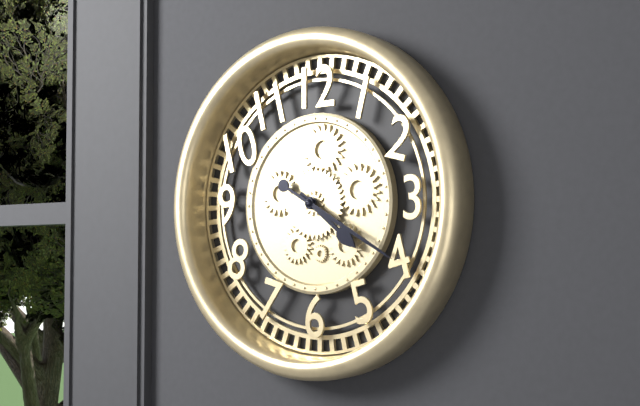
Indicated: 4,20
